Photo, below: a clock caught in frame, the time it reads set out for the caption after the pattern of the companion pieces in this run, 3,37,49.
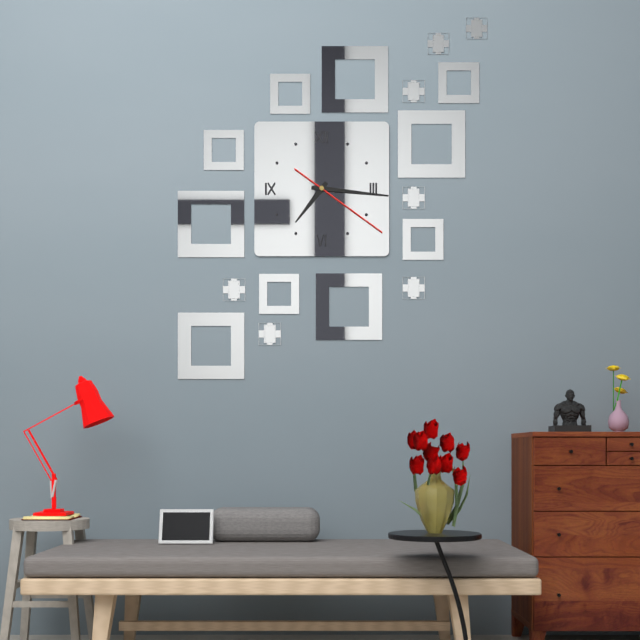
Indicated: 7,16,21
